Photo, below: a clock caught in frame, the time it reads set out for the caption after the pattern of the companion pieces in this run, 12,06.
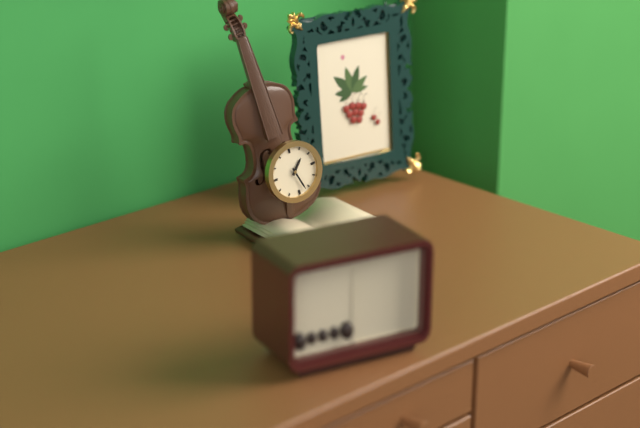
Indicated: 1,27
